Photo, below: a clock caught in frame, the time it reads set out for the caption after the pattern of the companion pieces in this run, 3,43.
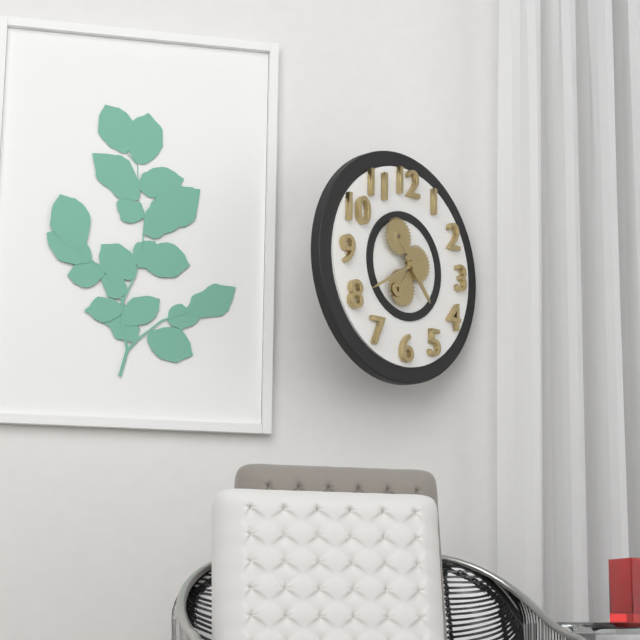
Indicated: 4,40
